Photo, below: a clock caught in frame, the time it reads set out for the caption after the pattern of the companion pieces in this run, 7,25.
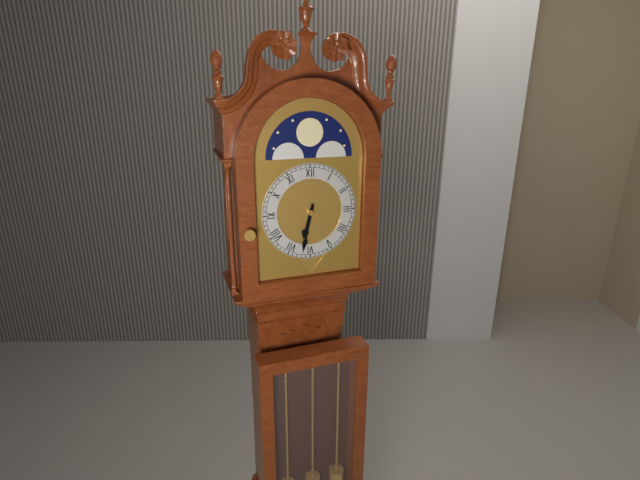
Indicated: 6,32
